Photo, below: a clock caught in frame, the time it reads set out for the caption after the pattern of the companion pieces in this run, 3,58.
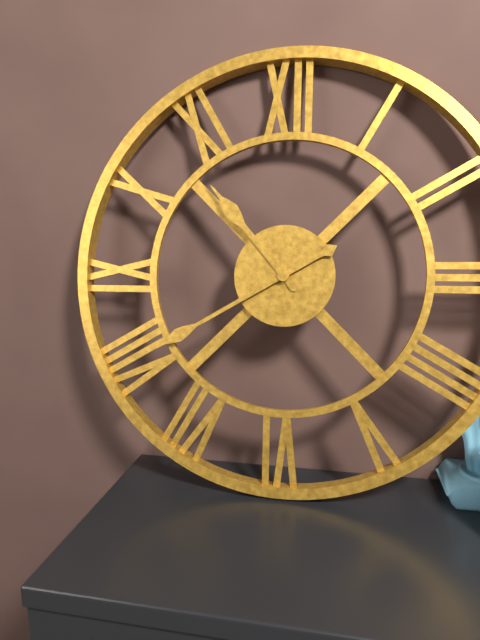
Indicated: 10,40
